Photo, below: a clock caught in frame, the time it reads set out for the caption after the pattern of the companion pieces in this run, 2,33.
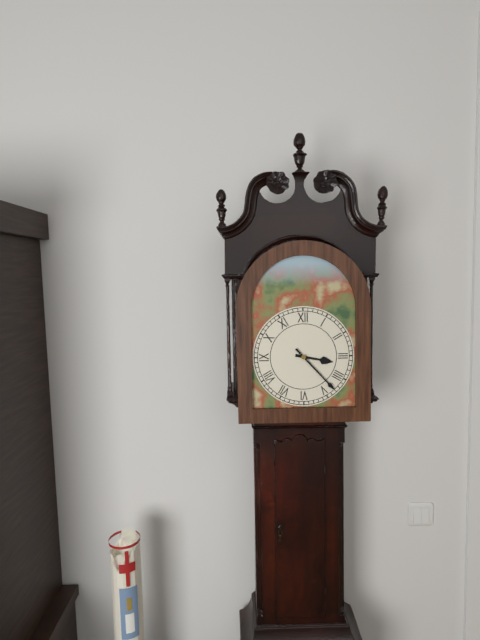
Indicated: 3,23
